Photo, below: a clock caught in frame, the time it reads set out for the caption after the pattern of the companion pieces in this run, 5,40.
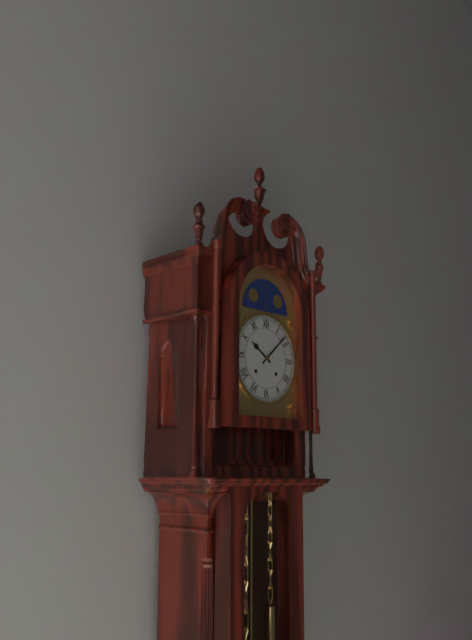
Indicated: 10,08
